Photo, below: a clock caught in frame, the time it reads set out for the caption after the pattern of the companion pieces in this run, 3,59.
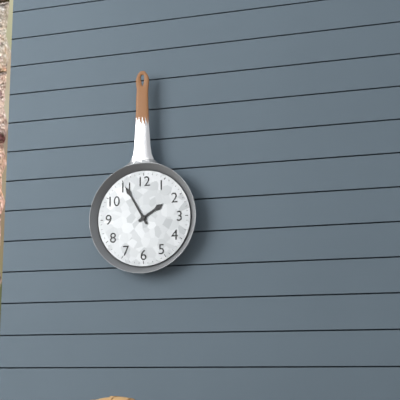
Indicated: 1,55
